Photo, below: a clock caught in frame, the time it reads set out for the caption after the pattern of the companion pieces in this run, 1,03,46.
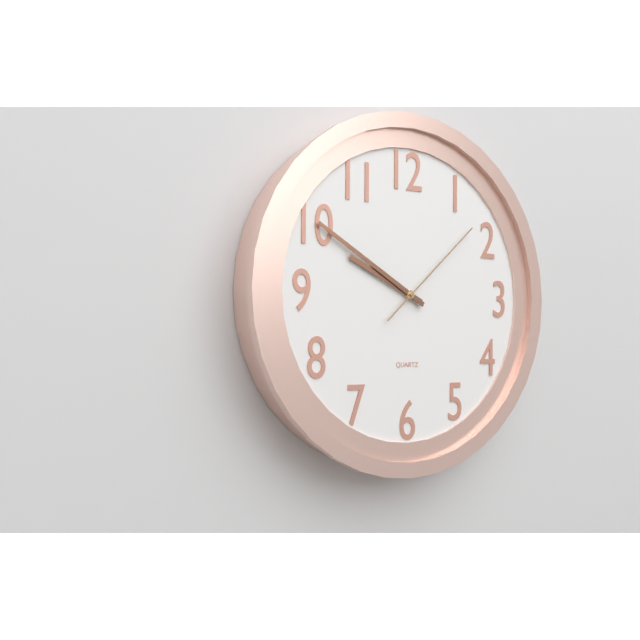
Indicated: 9,50,08
